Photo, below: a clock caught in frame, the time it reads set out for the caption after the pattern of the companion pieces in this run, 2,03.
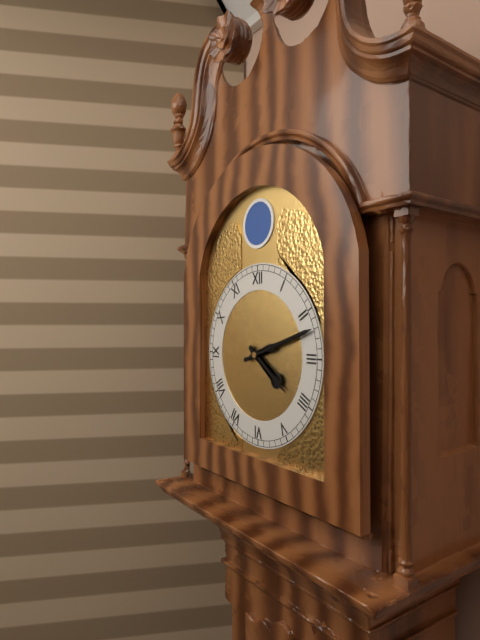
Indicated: 4,12
